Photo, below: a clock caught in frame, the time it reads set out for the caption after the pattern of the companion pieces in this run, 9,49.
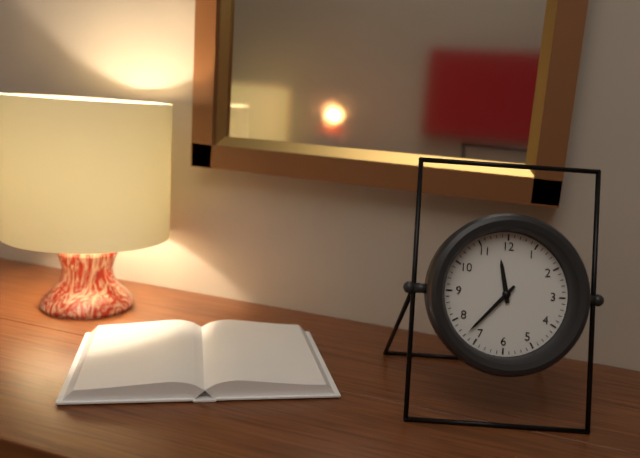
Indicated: 11,37
